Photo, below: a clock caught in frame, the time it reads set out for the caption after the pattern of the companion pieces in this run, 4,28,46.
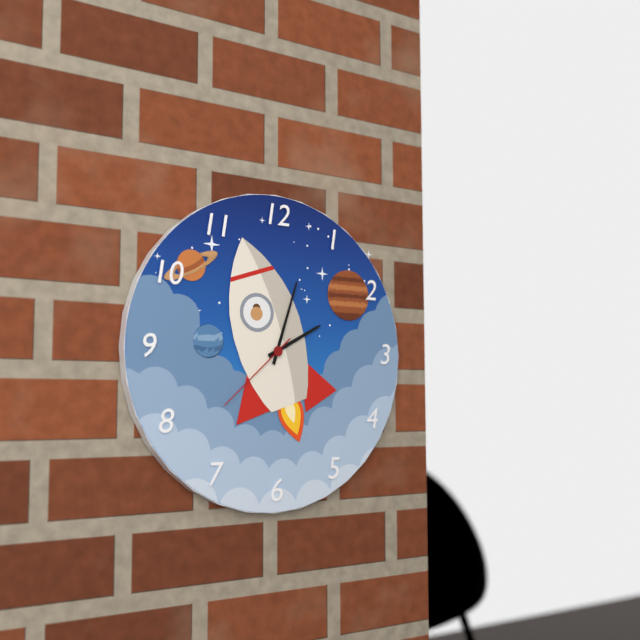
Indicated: 2,03,38
